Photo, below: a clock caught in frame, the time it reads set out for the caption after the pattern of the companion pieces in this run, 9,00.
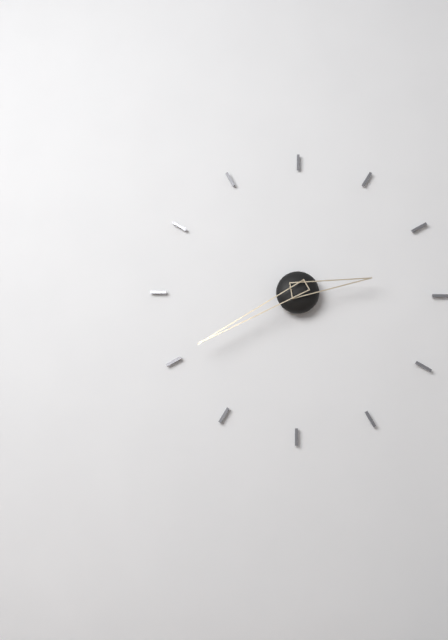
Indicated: 2,40
